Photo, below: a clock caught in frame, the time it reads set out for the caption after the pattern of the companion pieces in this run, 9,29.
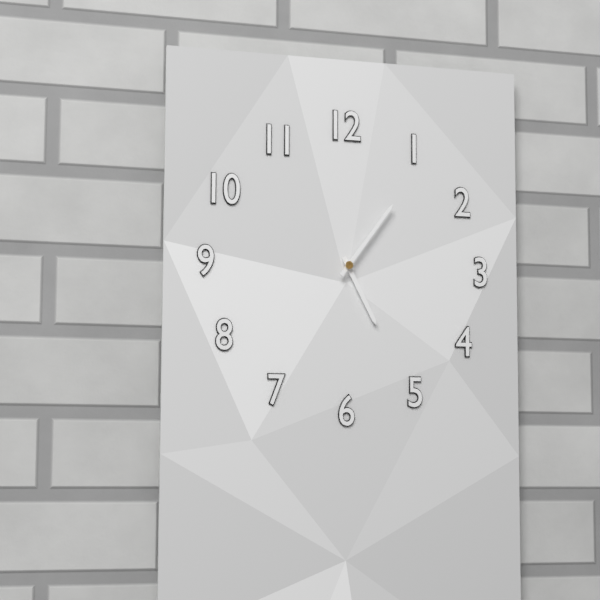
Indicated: 5,06
